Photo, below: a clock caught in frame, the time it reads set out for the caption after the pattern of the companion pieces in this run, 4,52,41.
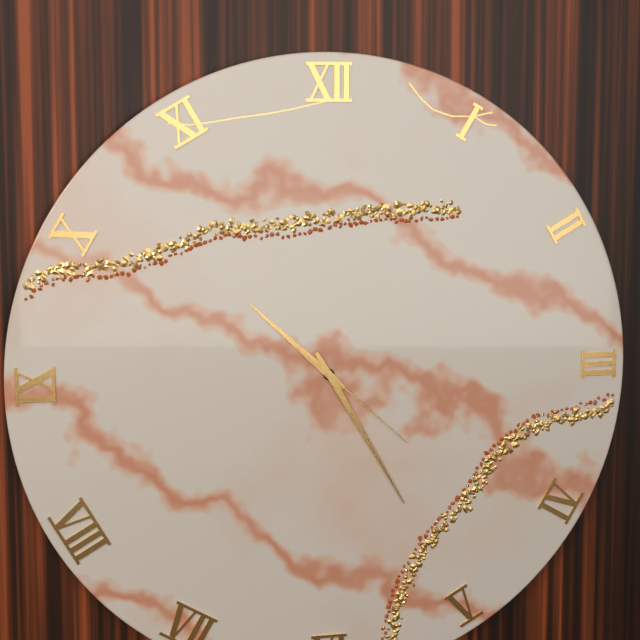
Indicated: 10,25,22
